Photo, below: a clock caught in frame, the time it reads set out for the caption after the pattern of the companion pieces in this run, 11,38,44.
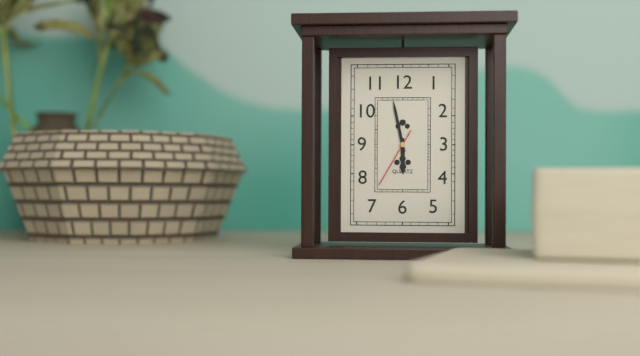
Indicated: 5,58,35
